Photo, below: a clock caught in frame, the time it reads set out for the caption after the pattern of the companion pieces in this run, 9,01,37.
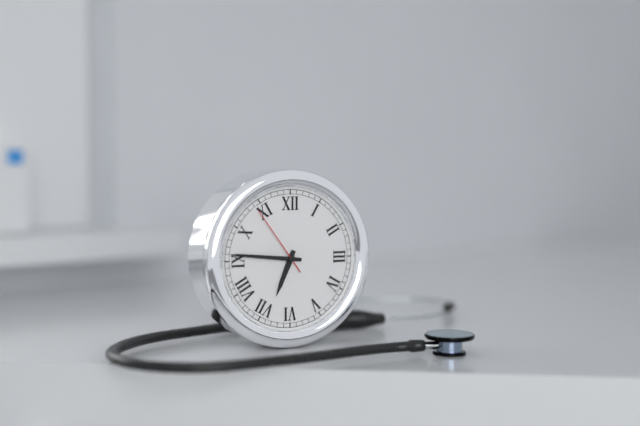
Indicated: 6,46,54
